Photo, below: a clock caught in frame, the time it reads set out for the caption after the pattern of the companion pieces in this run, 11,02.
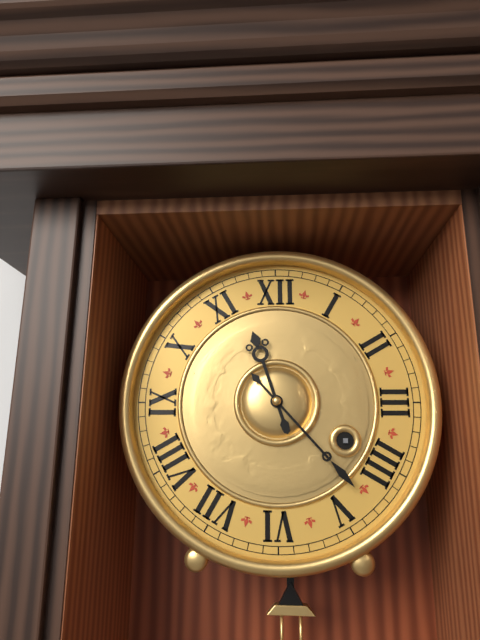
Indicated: 11,23
